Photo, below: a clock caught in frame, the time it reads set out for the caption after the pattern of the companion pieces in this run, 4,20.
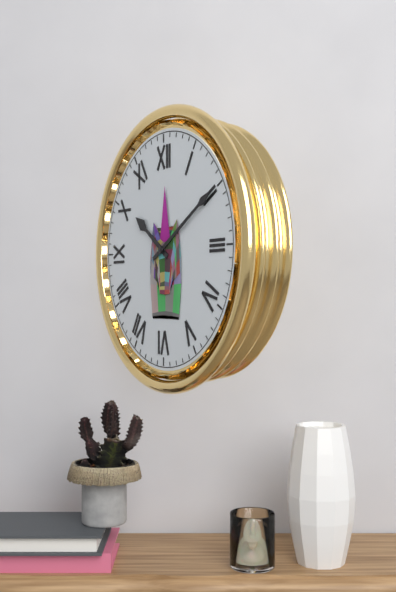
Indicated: 10,10
